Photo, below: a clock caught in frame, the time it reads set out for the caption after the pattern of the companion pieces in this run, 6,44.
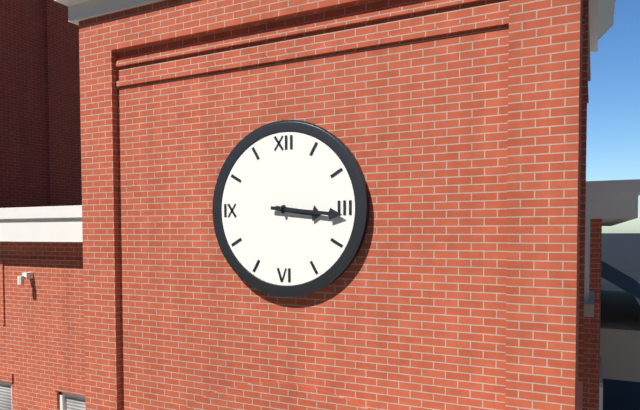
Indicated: 3,16
